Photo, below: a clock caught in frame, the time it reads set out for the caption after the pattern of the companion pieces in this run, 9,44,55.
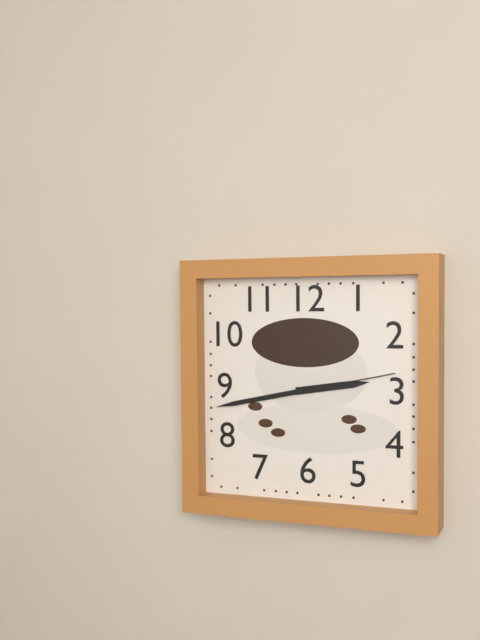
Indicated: 2,43,13
